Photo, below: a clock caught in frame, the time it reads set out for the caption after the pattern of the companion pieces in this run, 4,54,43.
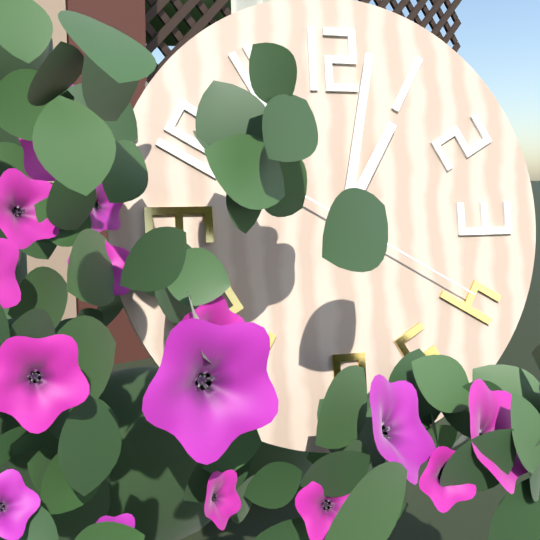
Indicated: 1,02,20
